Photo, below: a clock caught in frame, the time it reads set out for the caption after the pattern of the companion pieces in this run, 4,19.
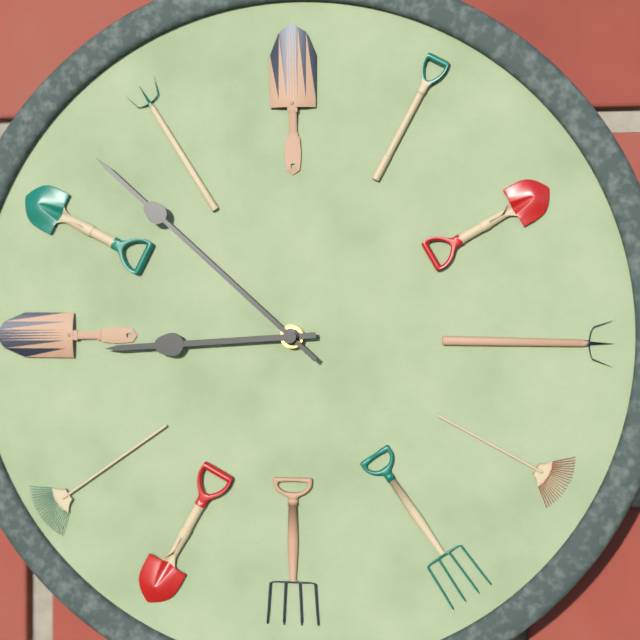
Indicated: 8,52
